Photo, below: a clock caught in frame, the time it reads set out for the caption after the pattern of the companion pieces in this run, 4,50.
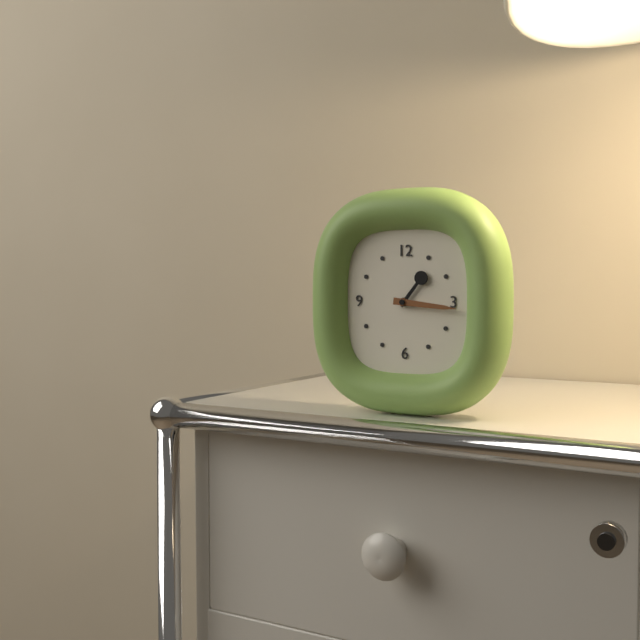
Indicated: 1,16
